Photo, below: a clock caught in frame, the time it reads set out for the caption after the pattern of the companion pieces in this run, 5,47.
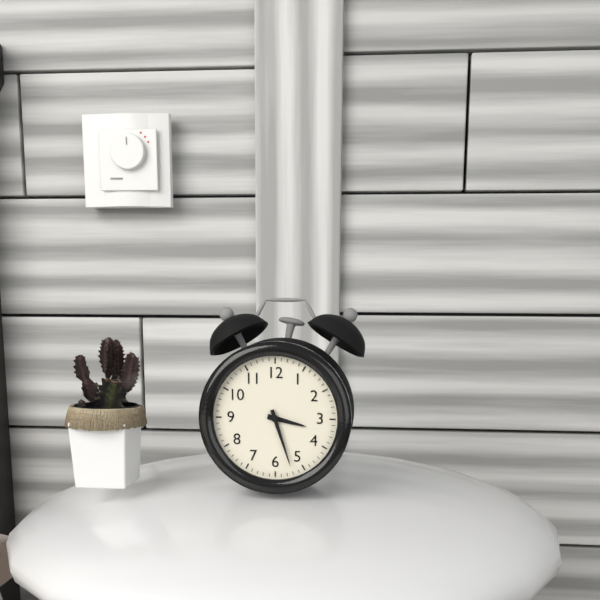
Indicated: 3,27
